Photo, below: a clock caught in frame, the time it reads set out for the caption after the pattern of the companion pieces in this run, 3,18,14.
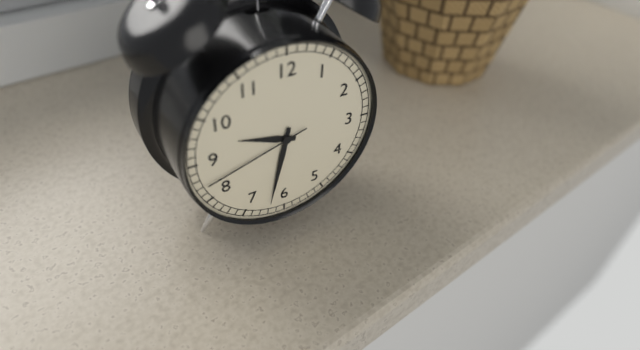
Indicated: 9,32,42
